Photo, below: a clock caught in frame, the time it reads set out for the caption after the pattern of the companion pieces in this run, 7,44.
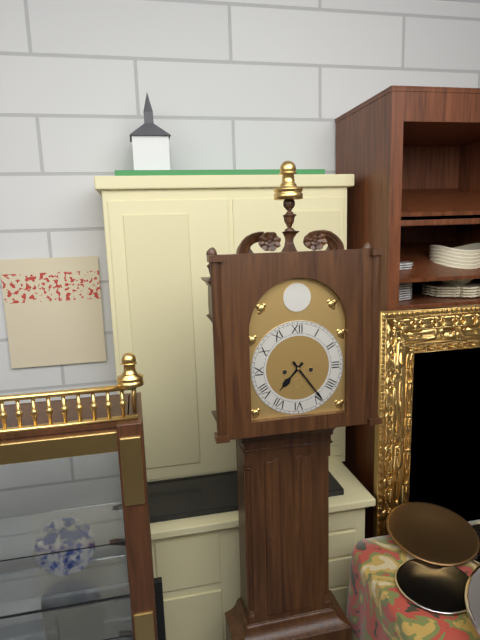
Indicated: 7,24
